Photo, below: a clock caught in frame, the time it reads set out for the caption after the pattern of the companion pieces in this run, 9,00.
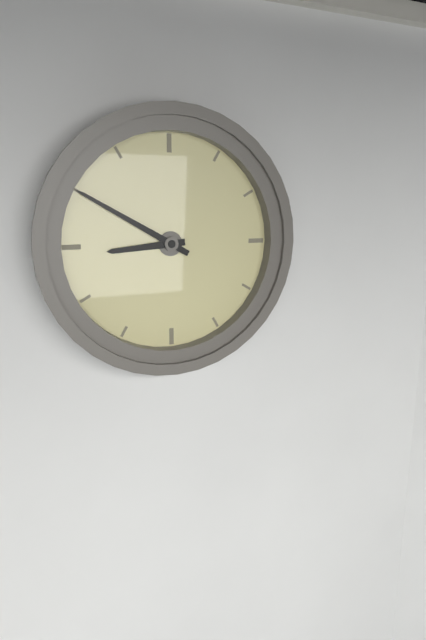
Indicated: 8,50
